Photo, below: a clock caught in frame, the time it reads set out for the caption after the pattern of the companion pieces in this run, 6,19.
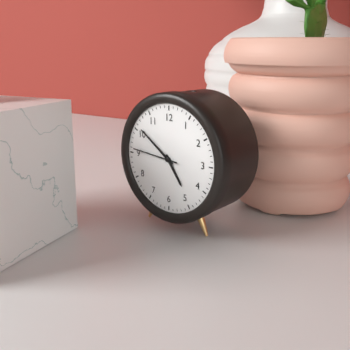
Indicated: 4,51
